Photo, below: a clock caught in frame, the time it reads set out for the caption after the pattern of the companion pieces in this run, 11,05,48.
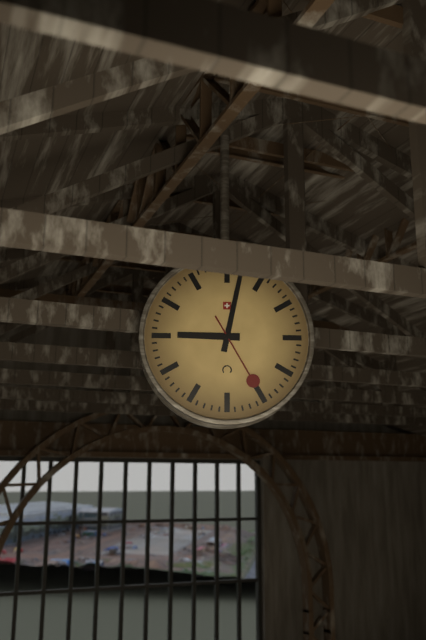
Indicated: 9,02,25
